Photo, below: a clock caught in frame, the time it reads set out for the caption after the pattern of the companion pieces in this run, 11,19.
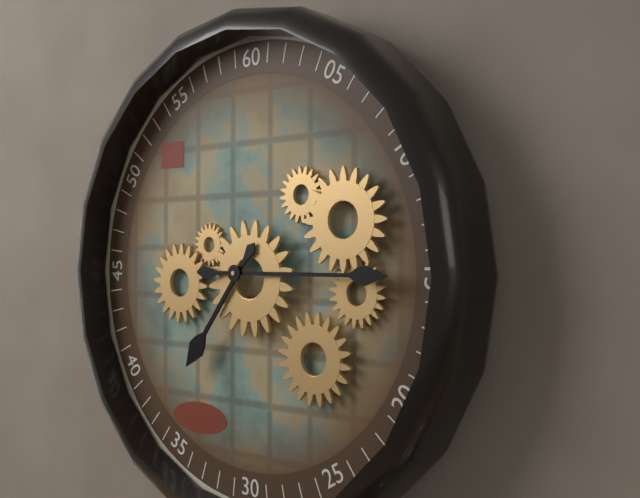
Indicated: 7,15
